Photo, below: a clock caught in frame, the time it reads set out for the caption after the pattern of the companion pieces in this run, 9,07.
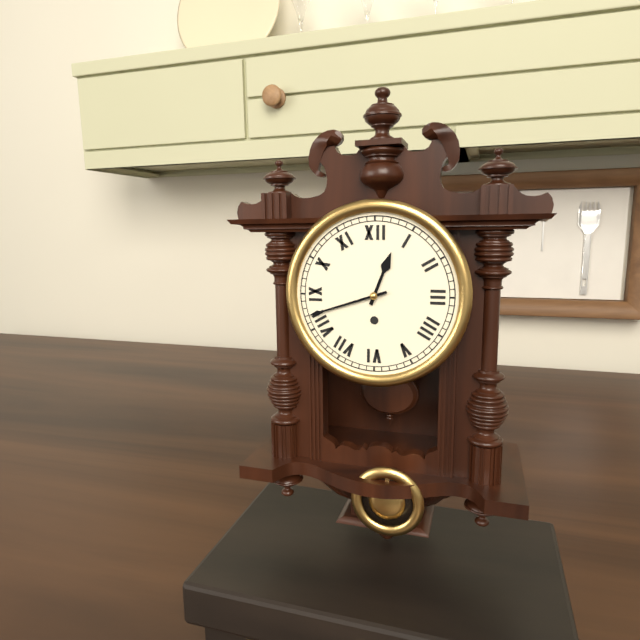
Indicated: 12,42
